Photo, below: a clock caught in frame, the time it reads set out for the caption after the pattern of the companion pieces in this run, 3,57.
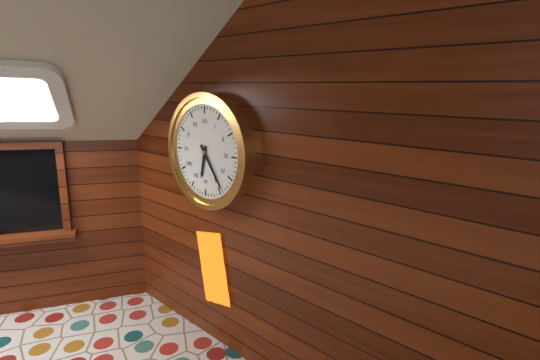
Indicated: 6,24
